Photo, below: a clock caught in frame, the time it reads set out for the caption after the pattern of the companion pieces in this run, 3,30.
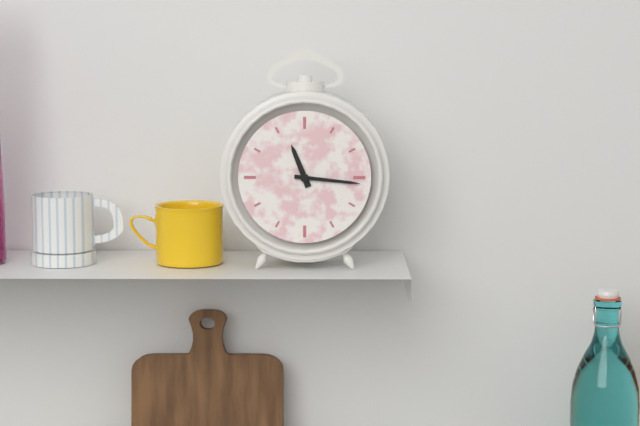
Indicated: 11,16
